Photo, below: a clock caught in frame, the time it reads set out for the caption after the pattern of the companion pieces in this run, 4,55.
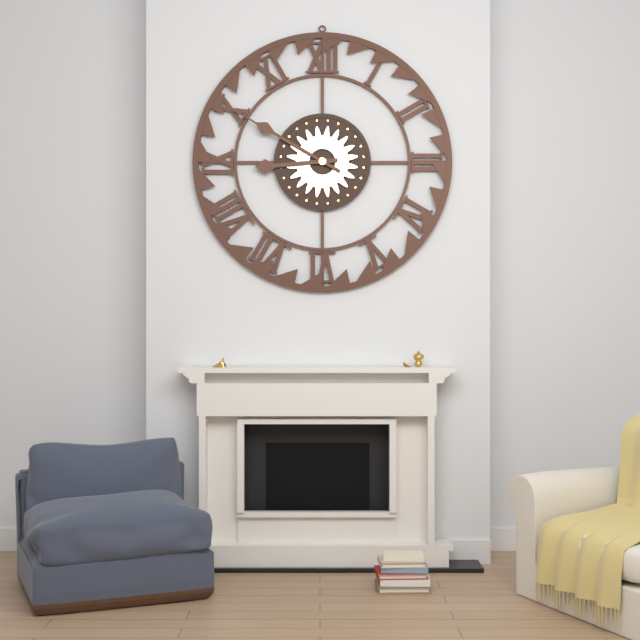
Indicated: 8,50
